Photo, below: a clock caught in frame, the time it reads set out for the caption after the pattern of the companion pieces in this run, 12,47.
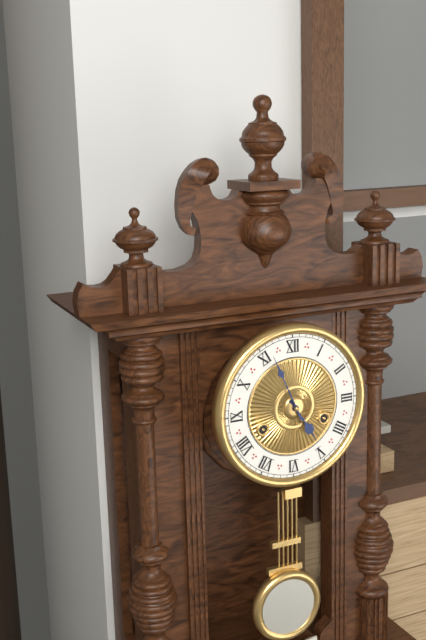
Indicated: 4,56
